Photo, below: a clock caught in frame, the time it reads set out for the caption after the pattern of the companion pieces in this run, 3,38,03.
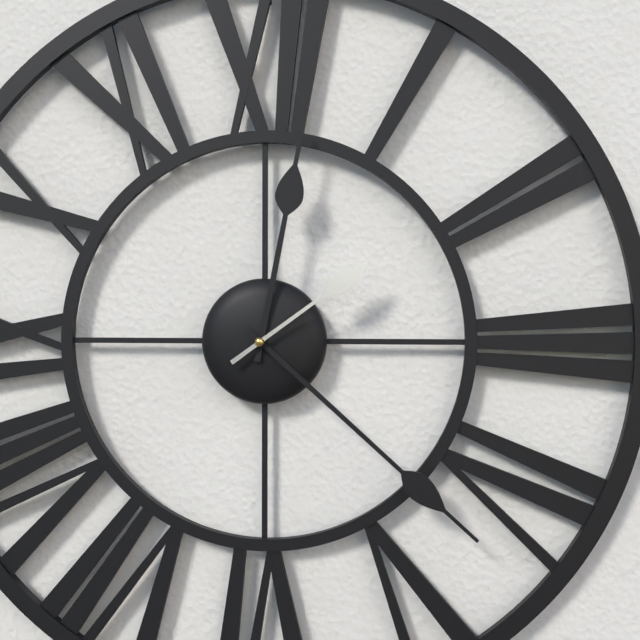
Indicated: 12,22,09
